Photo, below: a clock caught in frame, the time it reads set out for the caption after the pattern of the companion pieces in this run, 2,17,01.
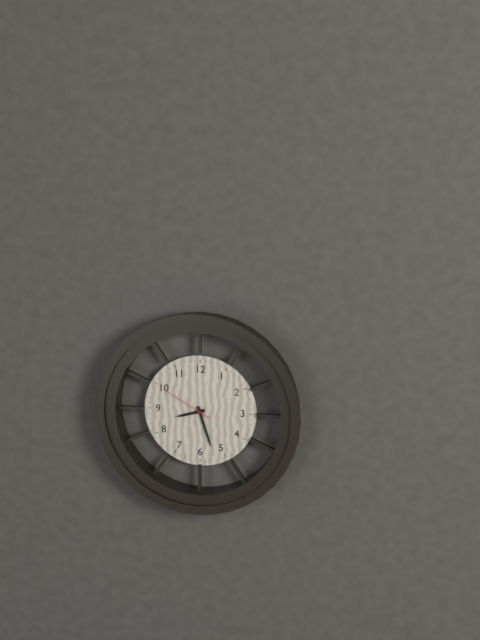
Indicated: 8,27,50
